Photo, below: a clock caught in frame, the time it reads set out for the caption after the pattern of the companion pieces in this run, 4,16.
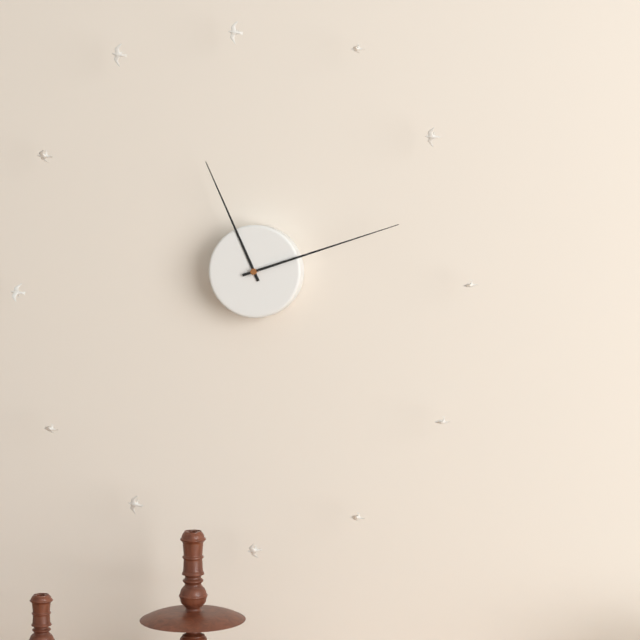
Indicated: 11,12
